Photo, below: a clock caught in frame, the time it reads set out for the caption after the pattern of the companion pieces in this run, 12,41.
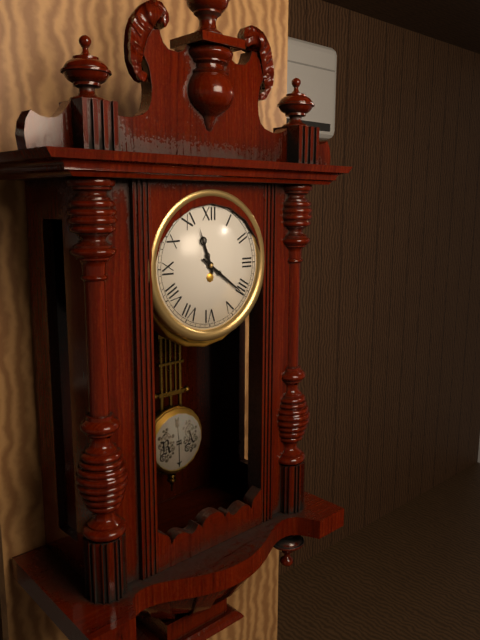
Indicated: 11,21
